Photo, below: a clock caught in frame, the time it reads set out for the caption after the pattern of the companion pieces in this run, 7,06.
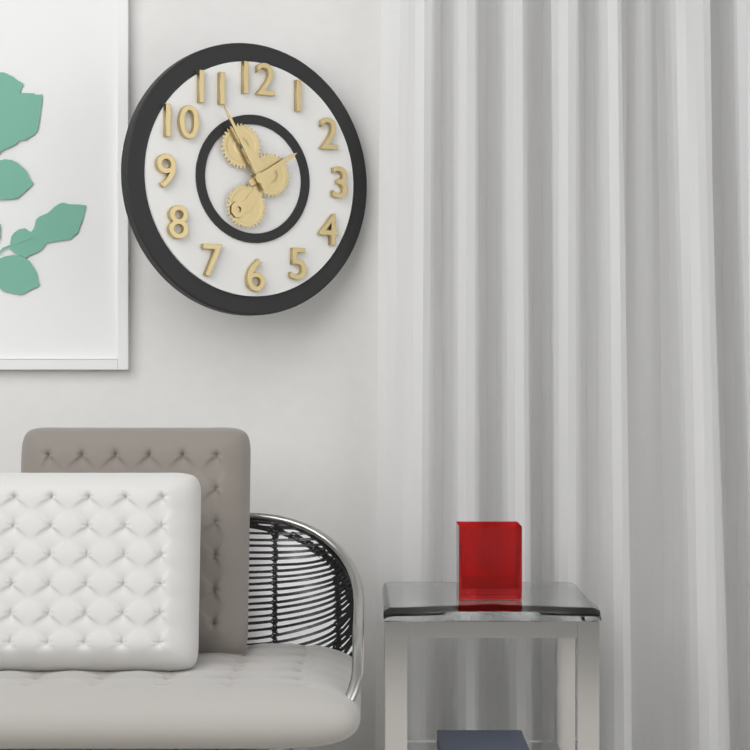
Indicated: 1,55
